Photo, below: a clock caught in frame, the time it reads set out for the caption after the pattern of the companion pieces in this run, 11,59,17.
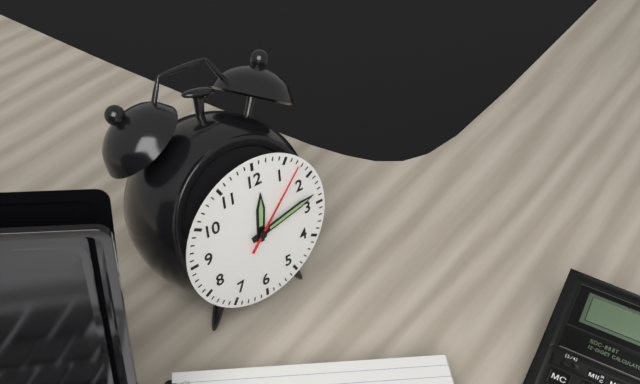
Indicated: 12,13,07
